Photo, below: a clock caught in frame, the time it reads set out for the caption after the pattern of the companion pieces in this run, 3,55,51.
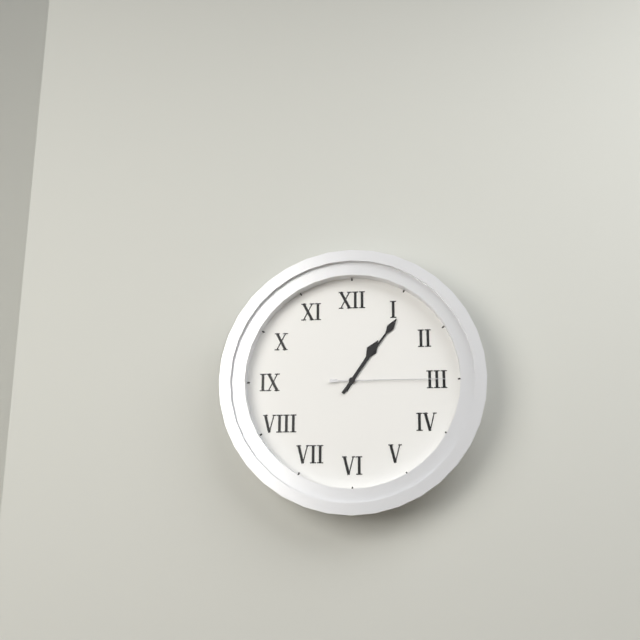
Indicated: 1,06,15
